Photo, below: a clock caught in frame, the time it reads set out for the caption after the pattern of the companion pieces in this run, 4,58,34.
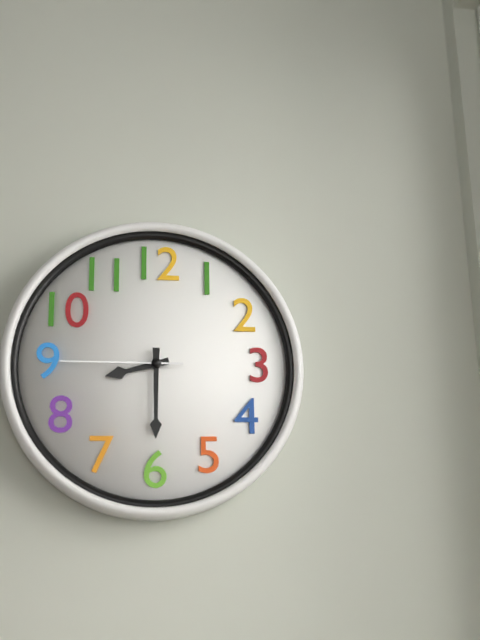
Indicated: 8,30,45
